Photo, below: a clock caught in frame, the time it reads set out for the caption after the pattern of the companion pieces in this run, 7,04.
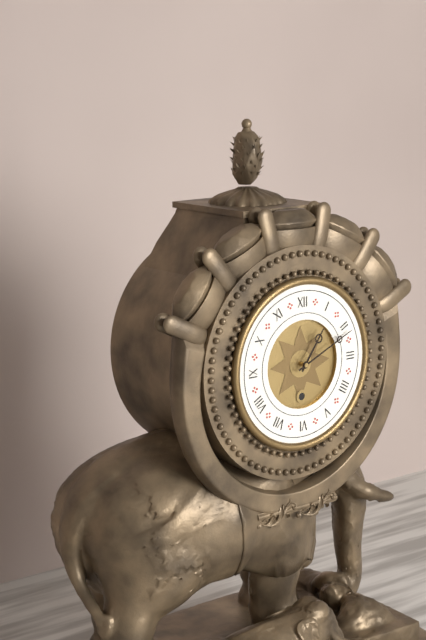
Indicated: 1,11
